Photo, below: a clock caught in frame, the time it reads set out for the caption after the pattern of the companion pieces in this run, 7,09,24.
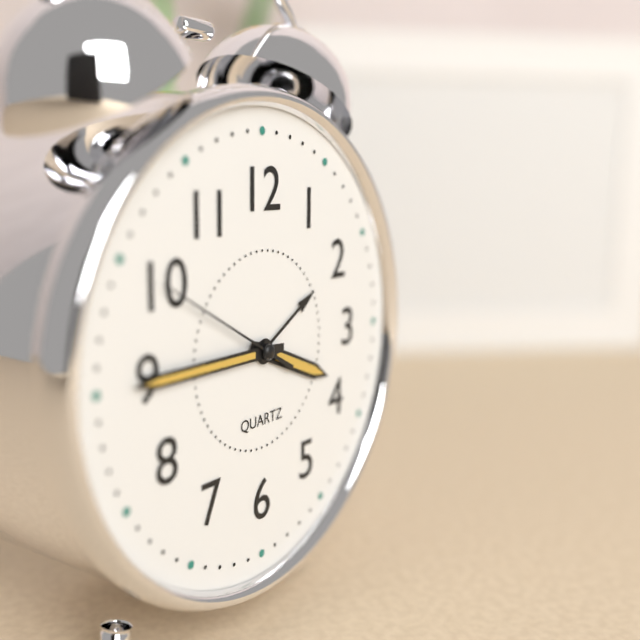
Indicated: 3,45,50
